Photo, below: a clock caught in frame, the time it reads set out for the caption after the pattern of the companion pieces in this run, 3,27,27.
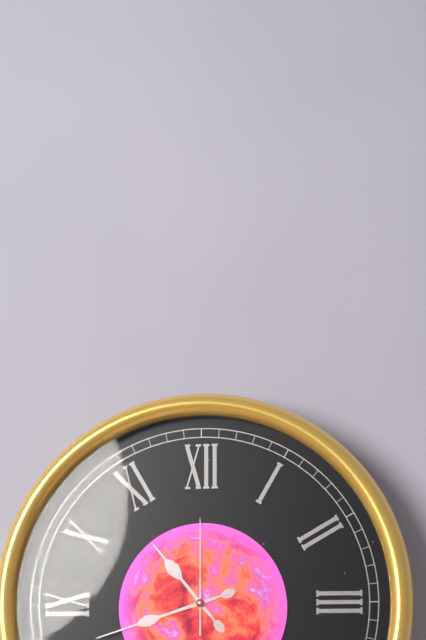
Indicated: 10,42,00
